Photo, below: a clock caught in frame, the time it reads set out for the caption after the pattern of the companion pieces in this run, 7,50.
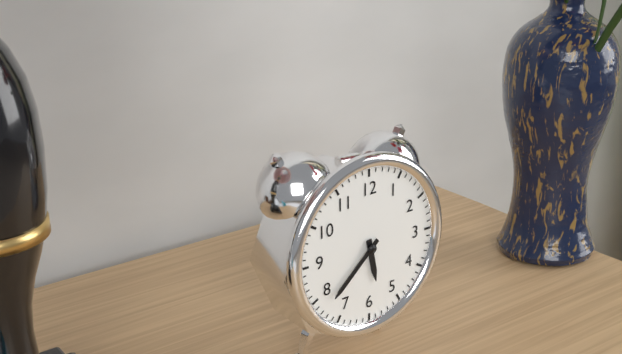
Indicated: 5,38
